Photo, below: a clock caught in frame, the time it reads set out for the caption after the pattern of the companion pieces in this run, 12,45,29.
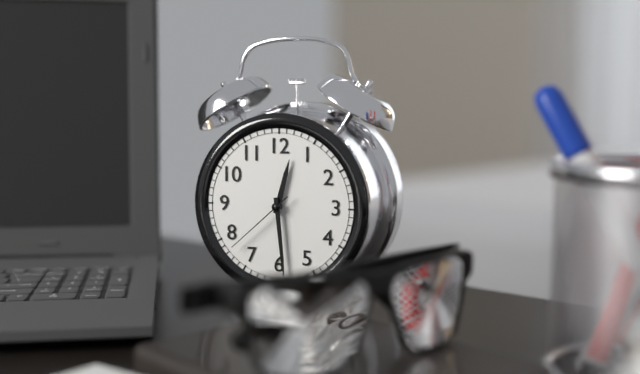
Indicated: 12,29,38
